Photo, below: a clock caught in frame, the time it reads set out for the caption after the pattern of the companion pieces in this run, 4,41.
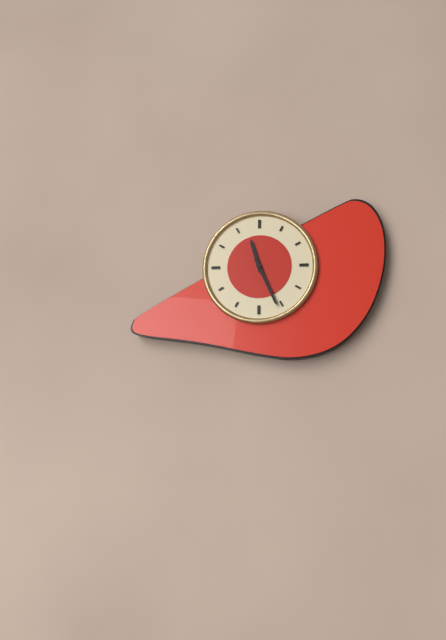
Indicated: 11,26
